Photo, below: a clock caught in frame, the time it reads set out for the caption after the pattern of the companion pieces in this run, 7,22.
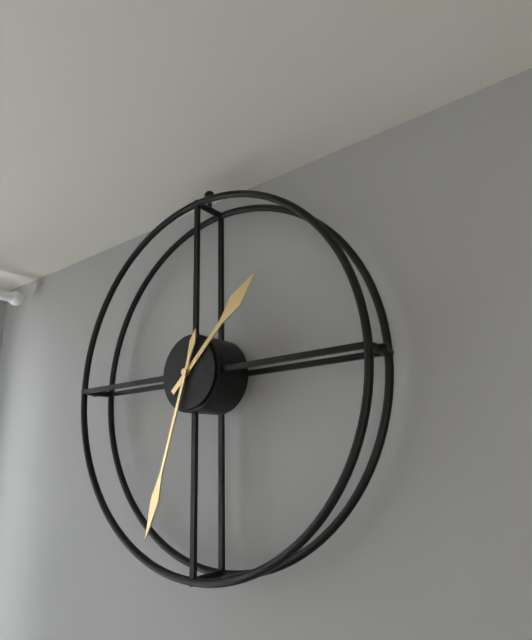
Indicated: 1,33
